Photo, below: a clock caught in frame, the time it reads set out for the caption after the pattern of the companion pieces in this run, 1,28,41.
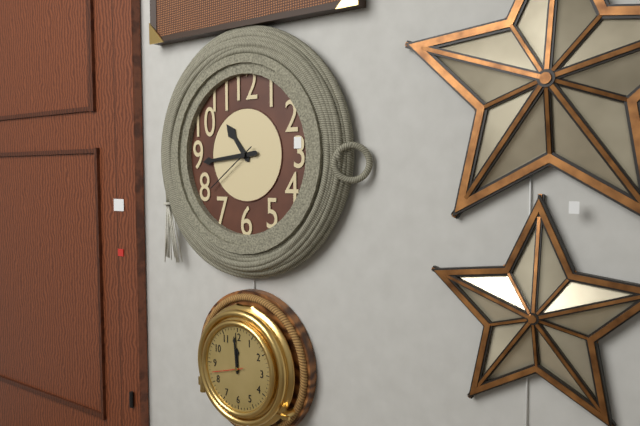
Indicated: 10,44,39
